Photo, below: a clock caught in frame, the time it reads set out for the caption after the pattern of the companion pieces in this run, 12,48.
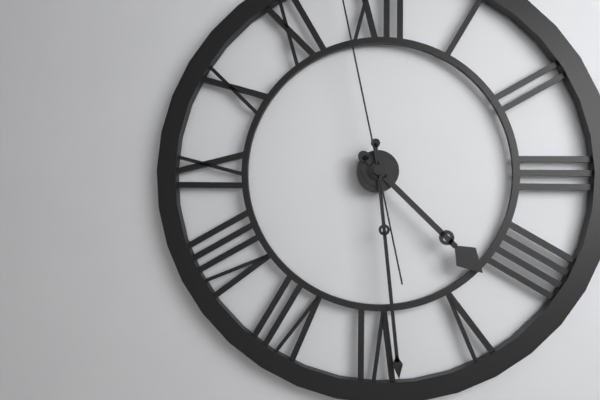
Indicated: 4,29
